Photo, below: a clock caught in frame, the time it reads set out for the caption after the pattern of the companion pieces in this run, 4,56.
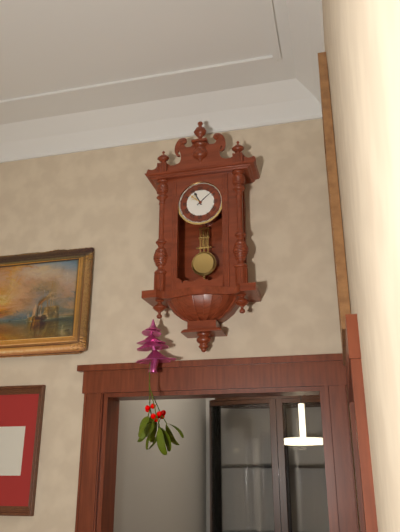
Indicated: 11,08
